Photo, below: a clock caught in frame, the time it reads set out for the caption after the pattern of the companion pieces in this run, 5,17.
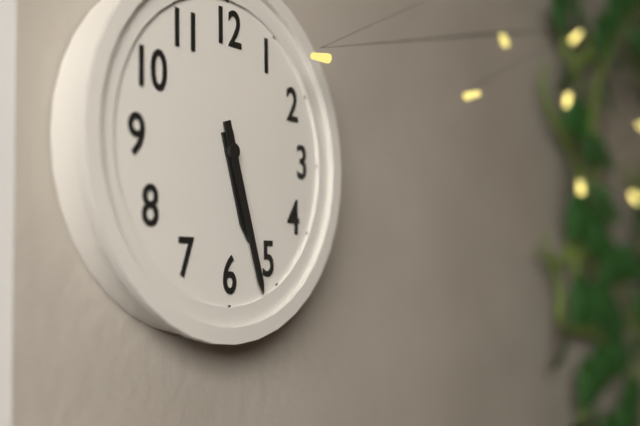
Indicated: 5,27
